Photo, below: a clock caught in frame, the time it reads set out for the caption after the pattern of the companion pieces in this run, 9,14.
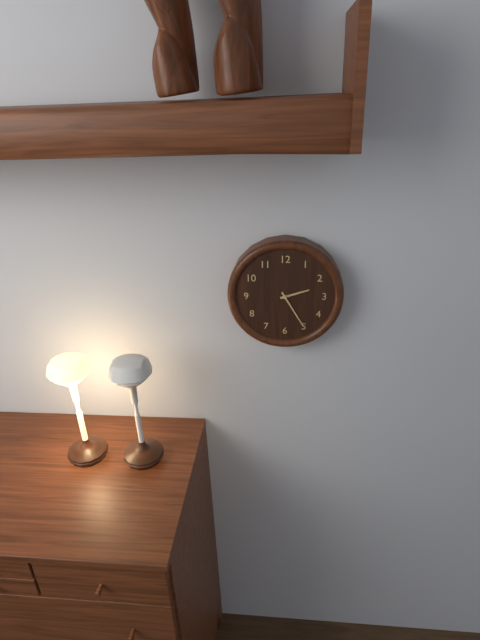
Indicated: 2,25
